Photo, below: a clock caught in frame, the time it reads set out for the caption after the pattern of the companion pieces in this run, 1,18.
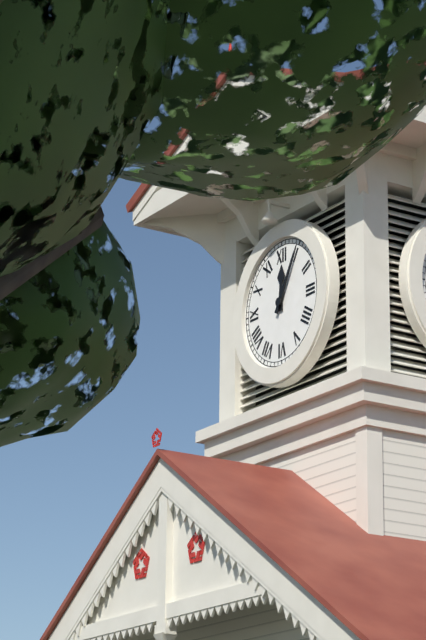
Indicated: 12,05
